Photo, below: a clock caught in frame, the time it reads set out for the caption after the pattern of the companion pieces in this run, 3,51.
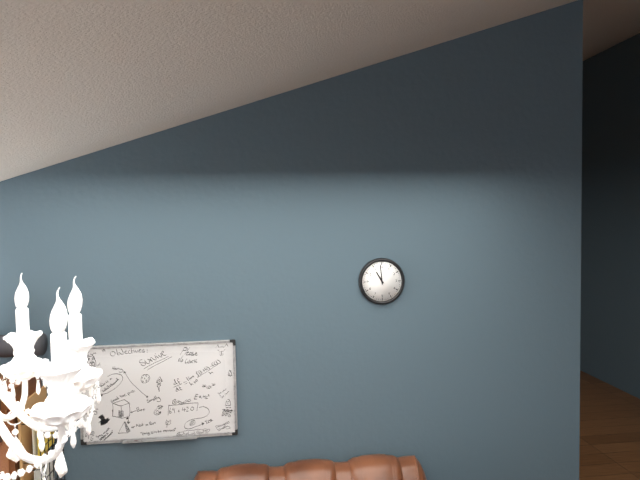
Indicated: 10,59
